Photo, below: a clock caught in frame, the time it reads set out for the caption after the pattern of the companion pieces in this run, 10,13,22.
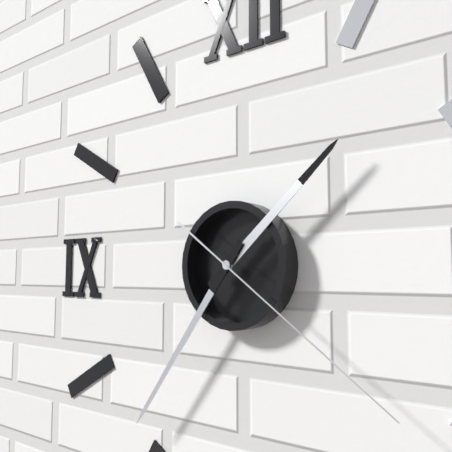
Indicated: 1,36,21
